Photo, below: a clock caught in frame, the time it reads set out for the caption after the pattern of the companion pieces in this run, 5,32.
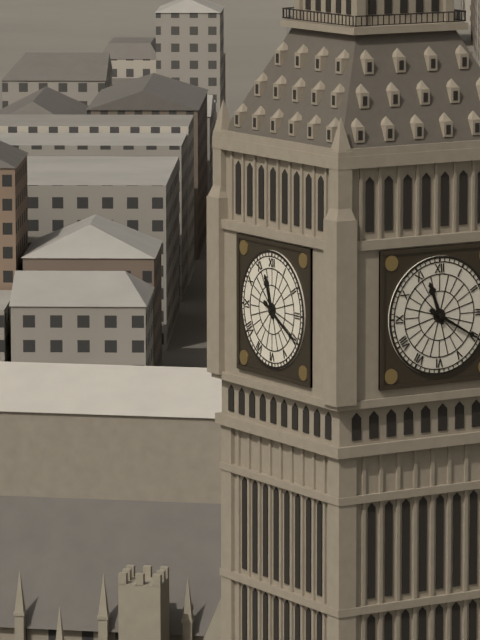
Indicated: 11,20
